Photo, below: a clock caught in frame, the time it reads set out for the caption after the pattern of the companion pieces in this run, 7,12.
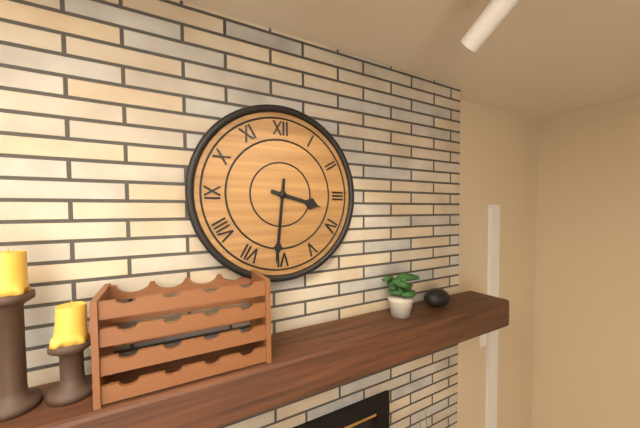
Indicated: 3,31
